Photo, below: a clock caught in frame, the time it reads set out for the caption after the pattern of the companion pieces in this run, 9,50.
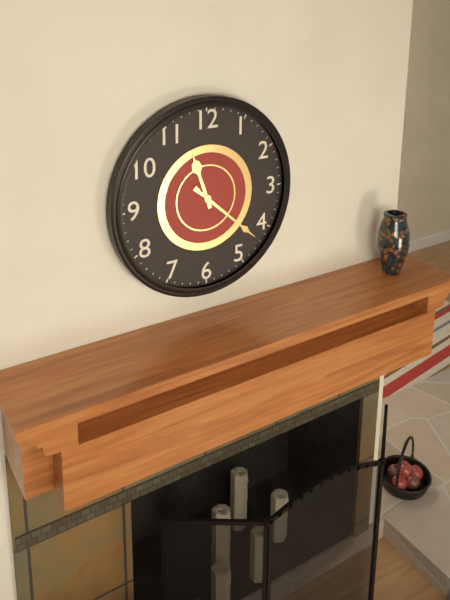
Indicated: 11,22
